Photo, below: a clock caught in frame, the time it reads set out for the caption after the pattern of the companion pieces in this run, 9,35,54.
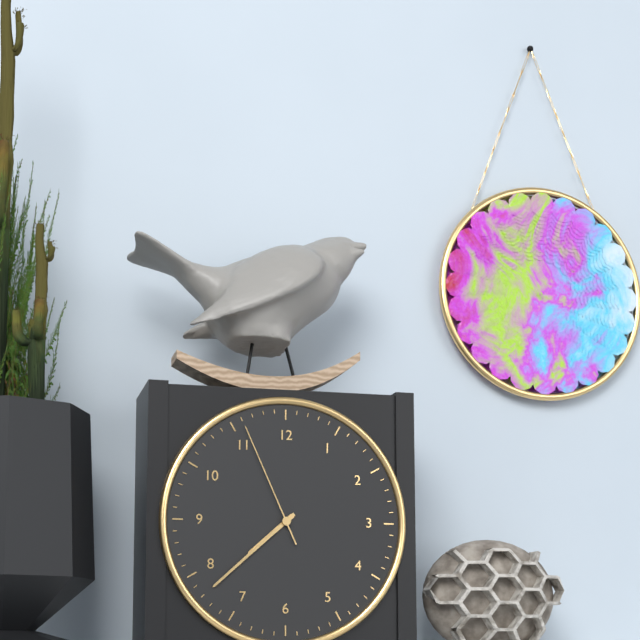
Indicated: 7,38,56
